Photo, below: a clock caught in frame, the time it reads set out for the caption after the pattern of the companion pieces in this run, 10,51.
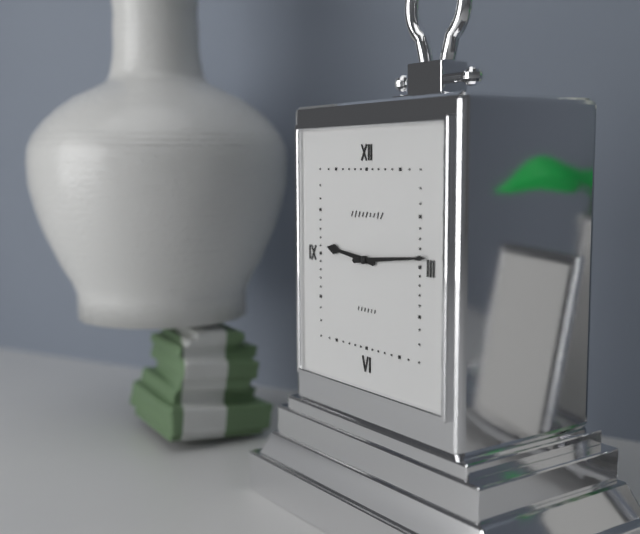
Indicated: 9,14
